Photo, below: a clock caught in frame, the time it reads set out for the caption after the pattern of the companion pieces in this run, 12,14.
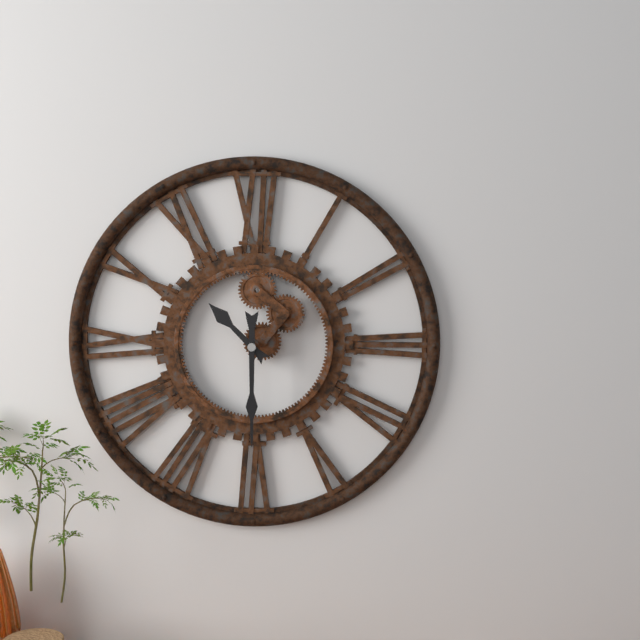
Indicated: 10,30
